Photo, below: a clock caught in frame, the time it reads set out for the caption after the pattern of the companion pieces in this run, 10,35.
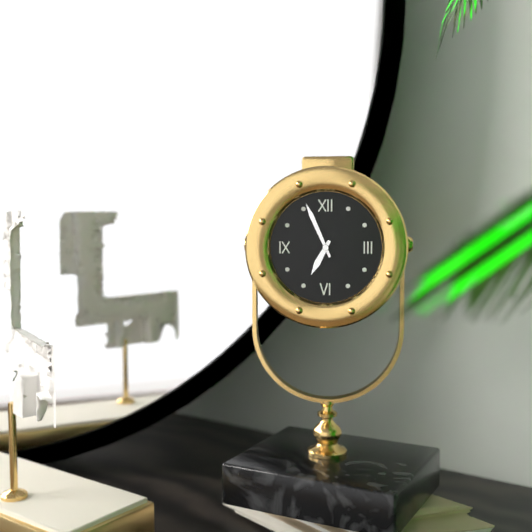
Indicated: 6,56
